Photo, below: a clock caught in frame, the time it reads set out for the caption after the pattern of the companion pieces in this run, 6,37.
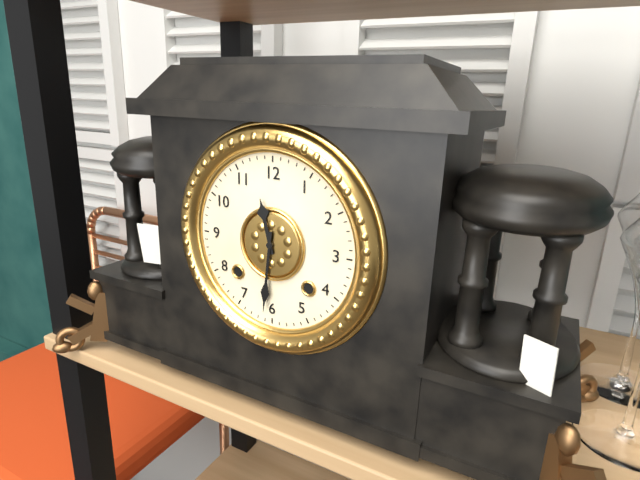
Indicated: 11,31
